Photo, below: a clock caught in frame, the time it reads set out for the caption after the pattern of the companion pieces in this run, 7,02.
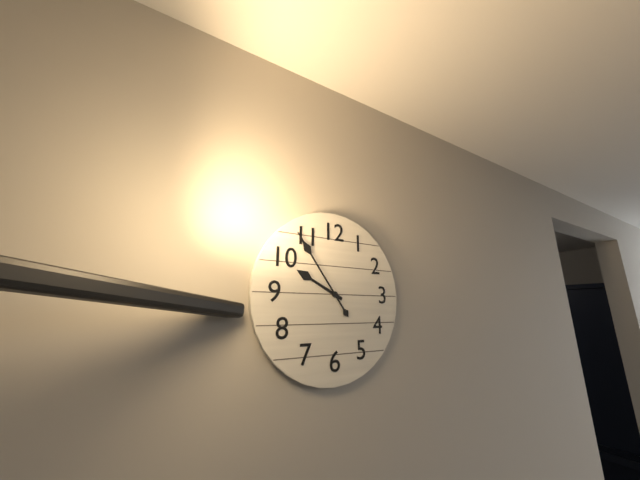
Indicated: 9,54
